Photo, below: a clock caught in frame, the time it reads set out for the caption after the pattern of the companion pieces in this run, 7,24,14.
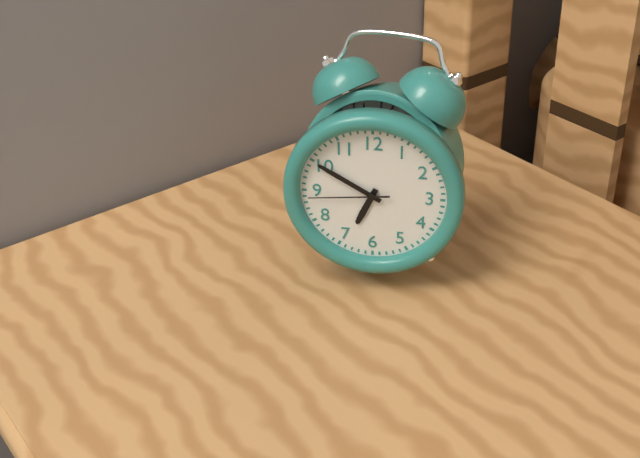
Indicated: 6,50,44
